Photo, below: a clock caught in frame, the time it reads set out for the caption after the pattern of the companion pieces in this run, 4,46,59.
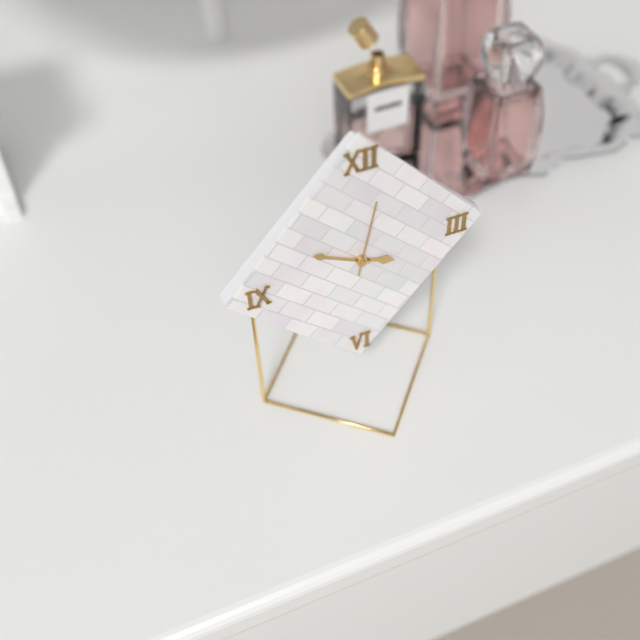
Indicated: 3,50,02
